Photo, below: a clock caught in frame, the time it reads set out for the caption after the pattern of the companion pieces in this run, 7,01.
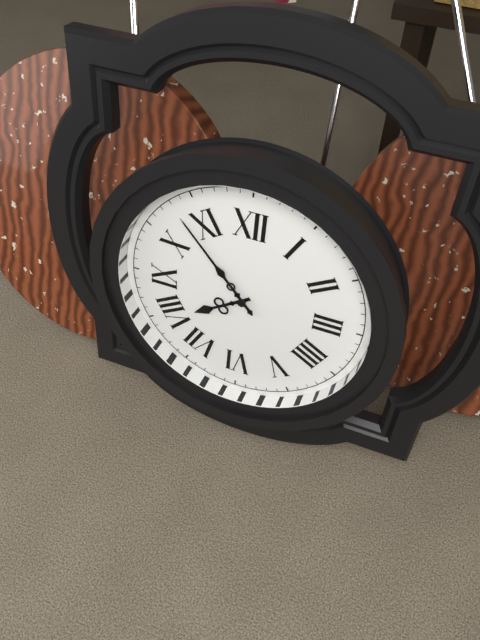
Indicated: 7,53
